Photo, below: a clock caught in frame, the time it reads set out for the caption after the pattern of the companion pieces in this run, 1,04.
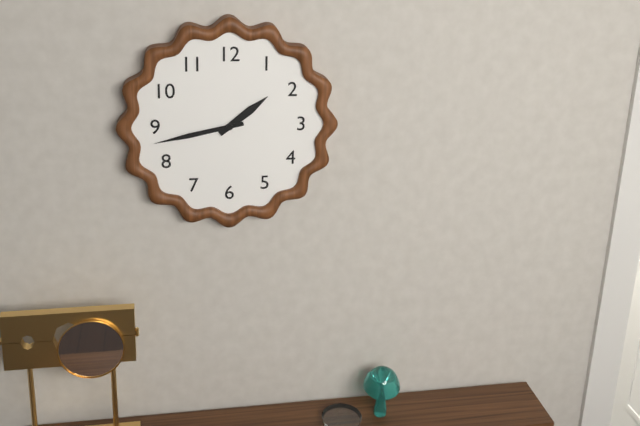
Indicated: 1,43
